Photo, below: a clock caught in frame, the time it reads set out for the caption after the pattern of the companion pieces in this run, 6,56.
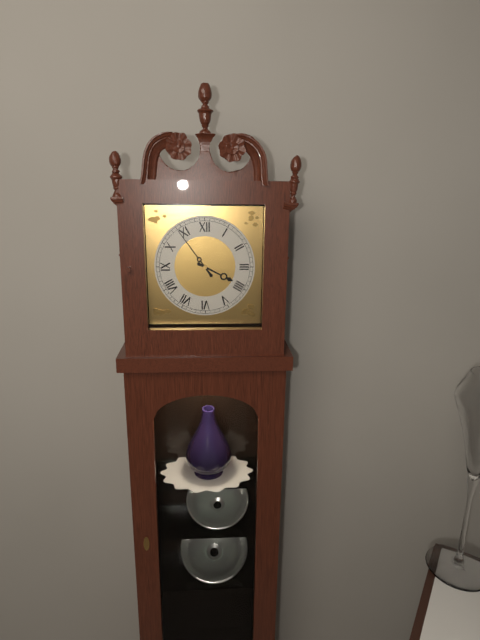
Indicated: 3,54
